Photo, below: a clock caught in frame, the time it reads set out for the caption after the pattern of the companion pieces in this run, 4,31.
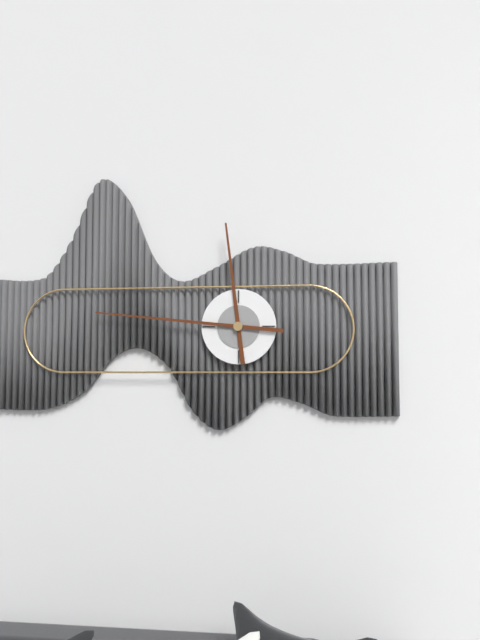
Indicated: 11,46
